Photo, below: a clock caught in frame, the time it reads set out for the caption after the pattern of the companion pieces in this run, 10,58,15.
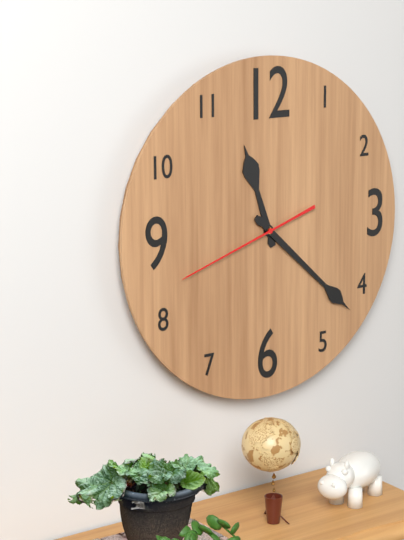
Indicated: 11,22,42
